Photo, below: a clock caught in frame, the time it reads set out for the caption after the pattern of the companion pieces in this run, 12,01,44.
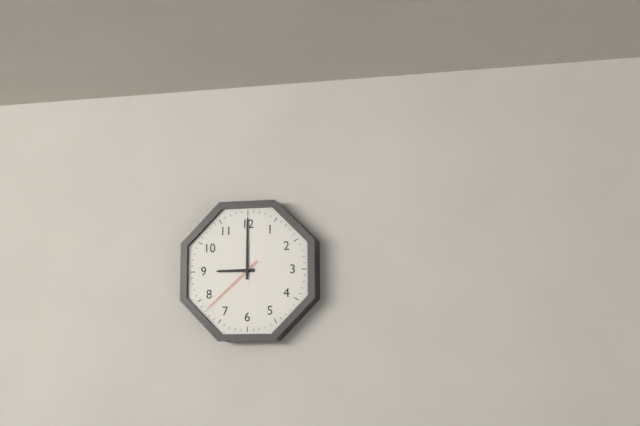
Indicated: 9,00,38
